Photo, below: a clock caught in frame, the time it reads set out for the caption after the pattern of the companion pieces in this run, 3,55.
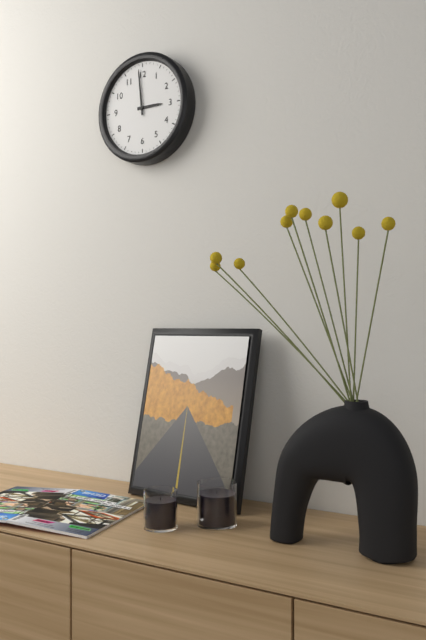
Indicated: 2,59
